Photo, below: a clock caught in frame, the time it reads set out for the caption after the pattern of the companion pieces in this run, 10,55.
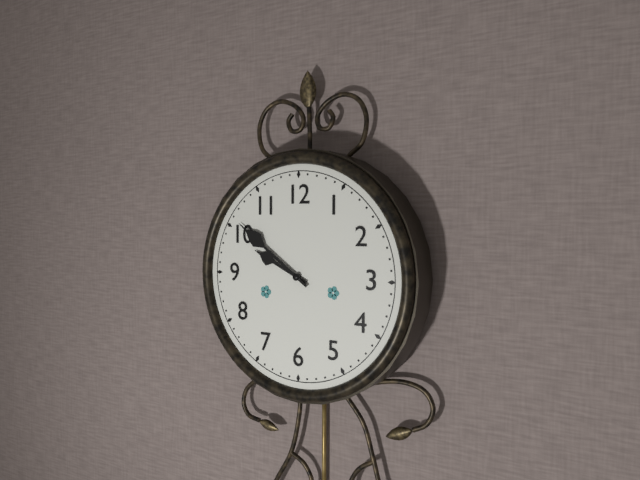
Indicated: 9,51
